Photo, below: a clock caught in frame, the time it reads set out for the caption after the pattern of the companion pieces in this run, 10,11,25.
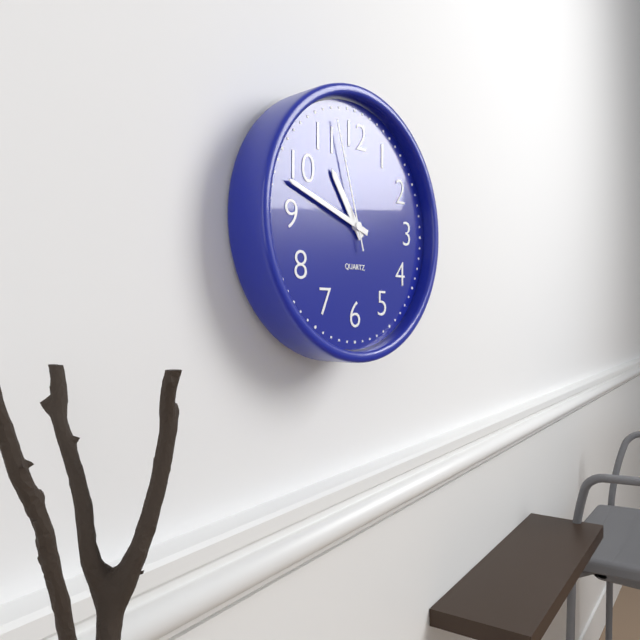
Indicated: 10,48,57
